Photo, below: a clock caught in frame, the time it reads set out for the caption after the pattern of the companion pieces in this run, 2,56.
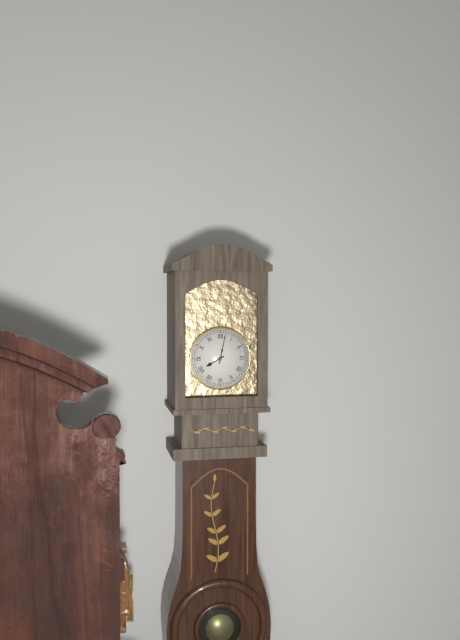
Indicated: 8,02
